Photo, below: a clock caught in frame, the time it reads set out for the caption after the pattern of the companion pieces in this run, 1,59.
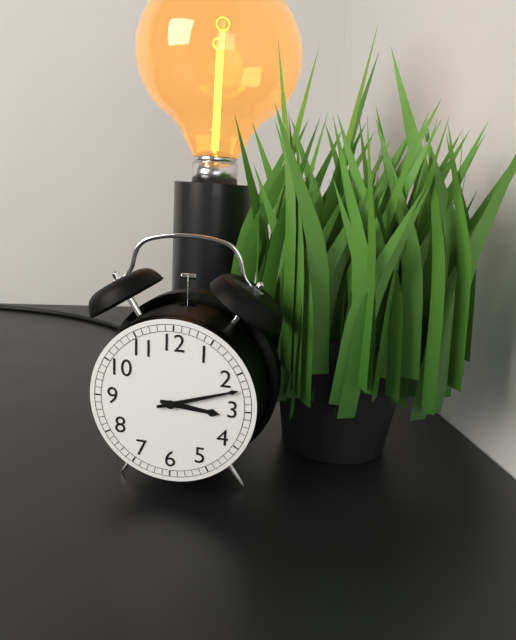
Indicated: 3,12
